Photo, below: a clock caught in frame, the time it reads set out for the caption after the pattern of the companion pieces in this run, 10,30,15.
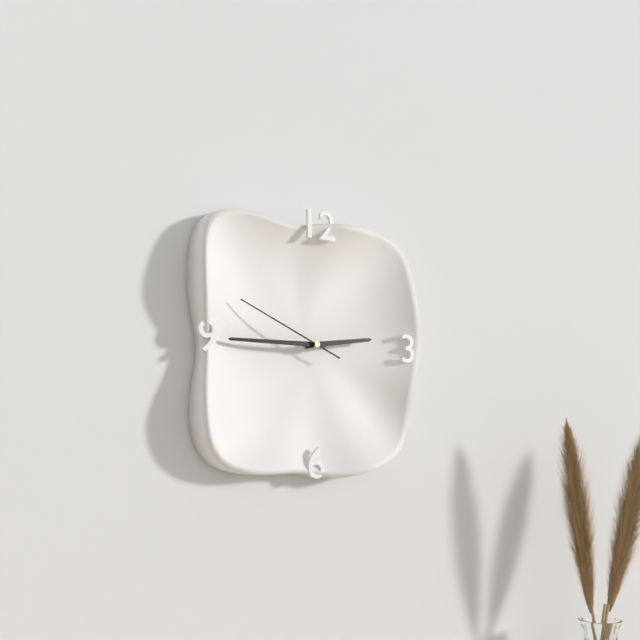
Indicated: 2,45,49
